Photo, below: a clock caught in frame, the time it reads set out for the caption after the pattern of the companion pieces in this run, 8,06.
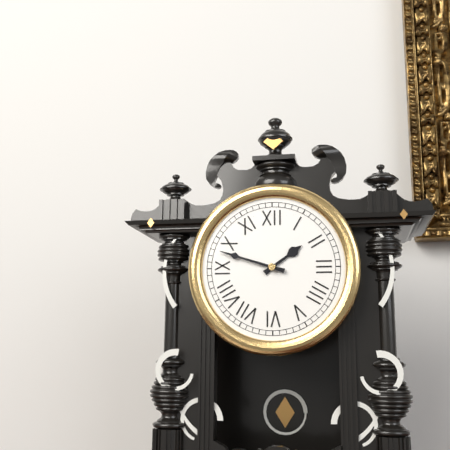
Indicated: 1,48
